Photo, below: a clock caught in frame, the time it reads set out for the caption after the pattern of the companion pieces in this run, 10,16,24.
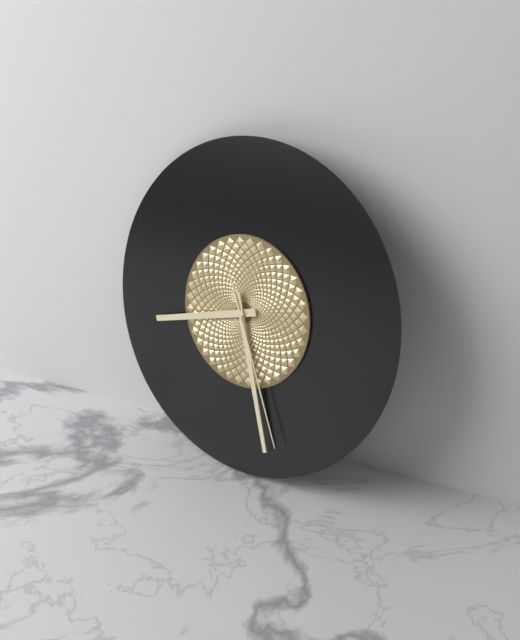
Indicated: 8,27,26
